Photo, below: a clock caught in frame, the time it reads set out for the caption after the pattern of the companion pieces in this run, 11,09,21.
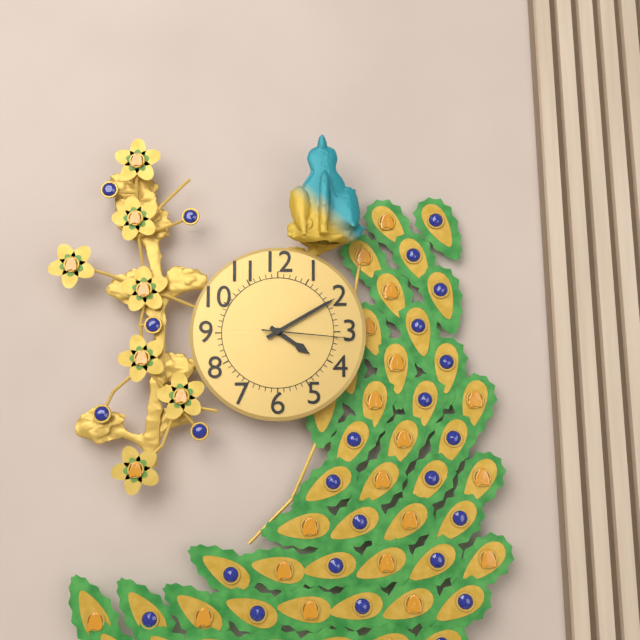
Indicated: 4,10,16
